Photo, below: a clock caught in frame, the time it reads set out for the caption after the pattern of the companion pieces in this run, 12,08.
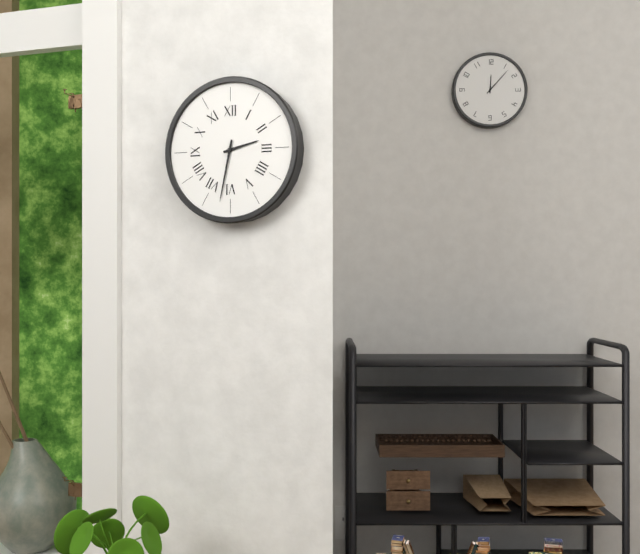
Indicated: 2,32
